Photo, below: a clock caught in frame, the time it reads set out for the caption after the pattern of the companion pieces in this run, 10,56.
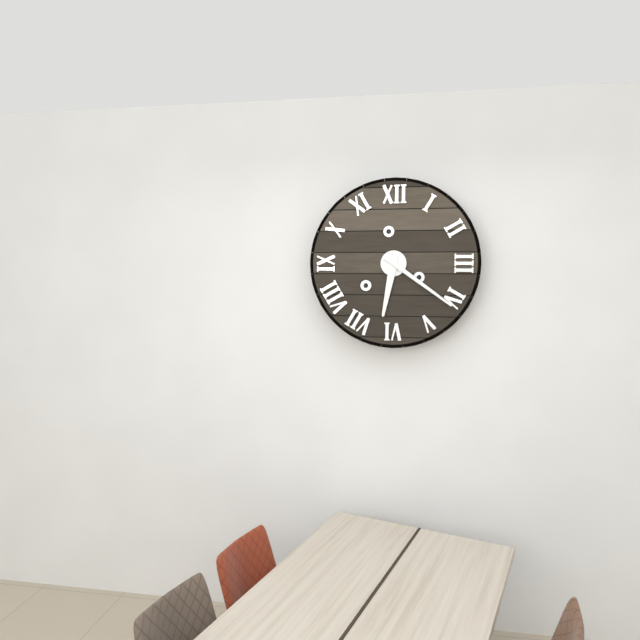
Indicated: 6,21
